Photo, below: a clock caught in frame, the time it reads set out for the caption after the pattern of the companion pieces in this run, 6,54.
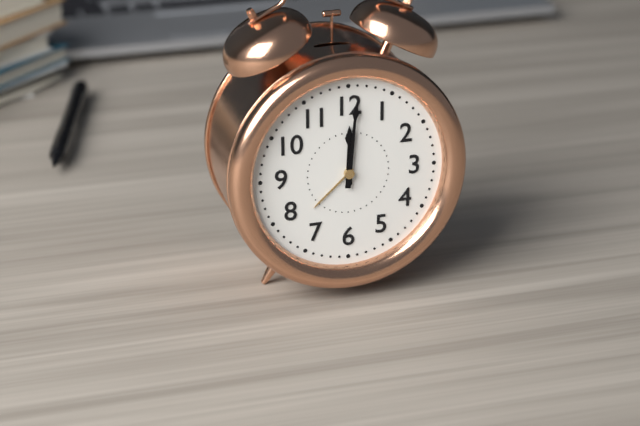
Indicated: 12,01
